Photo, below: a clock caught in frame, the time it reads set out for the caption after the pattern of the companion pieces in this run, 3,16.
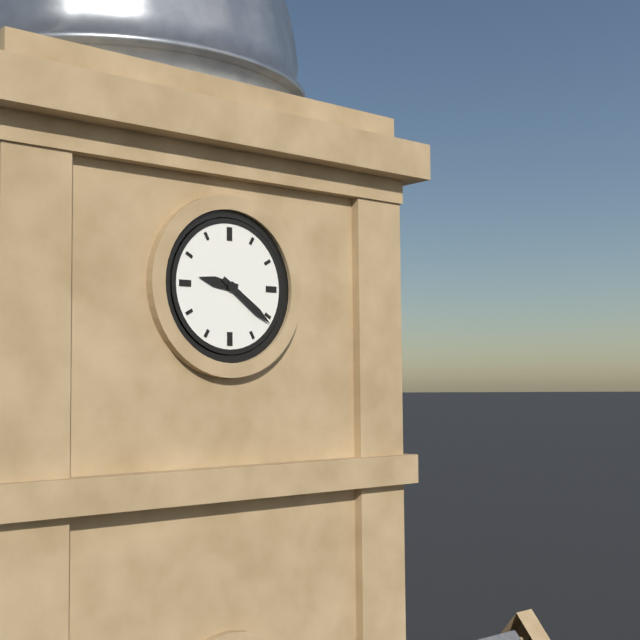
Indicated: 9,21
